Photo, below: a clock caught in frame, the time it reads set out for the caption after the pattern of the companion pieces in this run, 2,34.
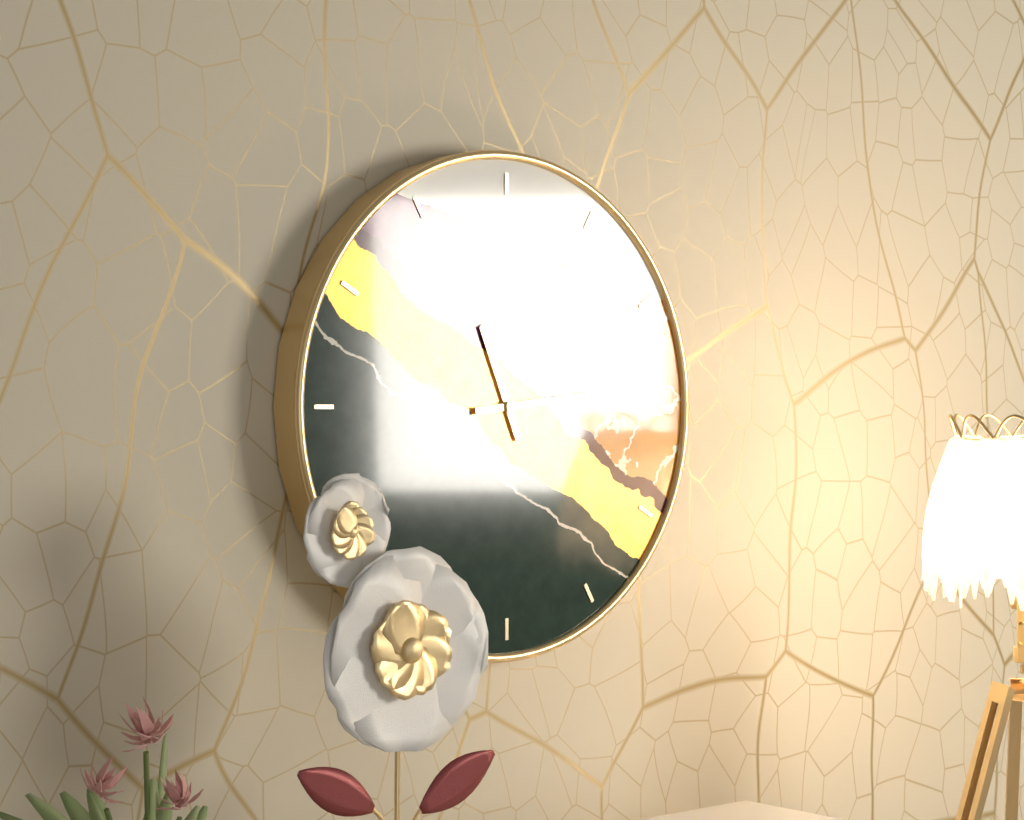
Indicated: 11,14
